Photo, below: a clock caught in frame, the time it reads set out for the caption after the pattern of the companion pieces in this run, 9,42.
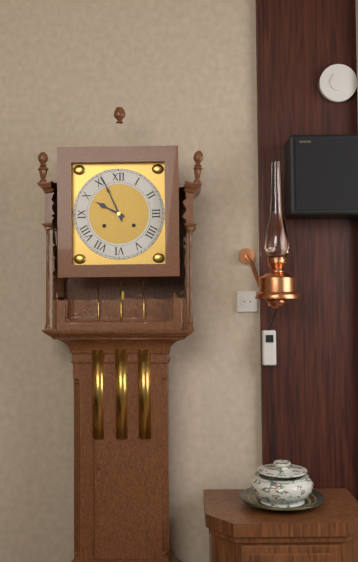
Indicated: 9,56
